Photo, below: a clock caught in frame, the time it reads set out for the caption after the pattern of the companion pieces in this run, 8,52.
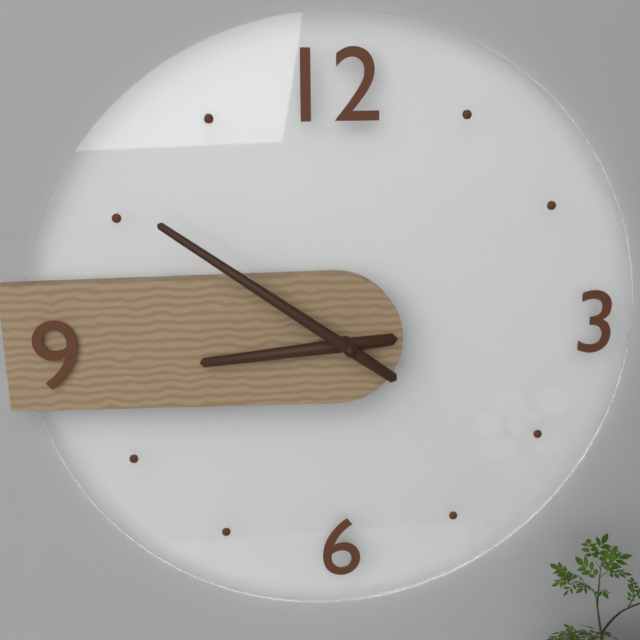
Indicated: 8,51
